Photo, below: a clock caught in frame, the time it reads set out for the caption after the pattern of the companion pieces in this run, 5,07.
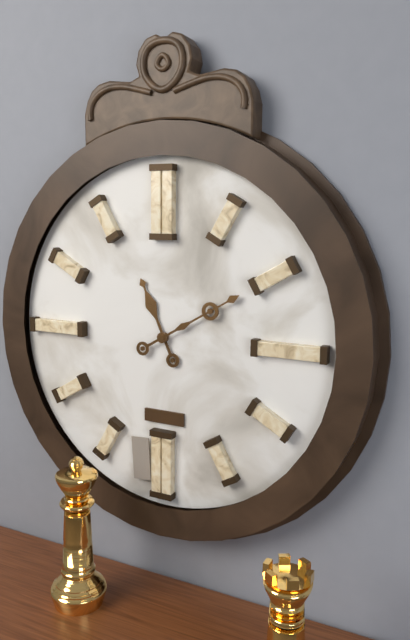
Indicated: 11,10
